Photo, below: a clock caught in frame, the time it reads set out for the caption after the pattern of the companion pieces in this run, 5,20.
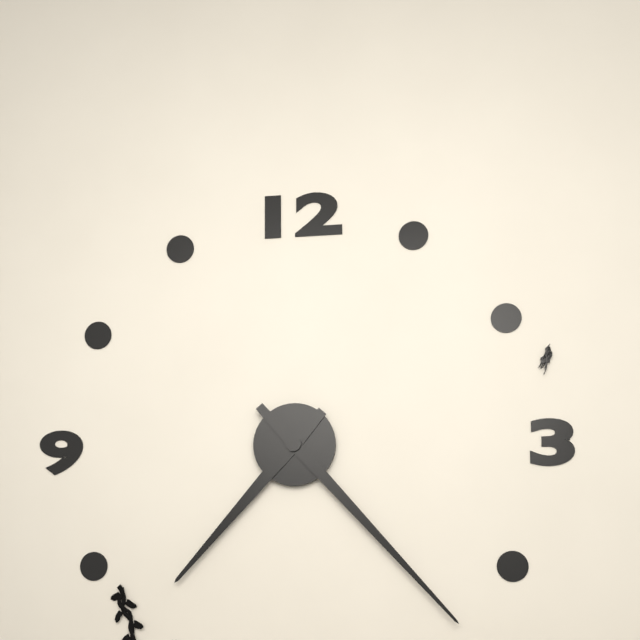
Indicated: 7,23
